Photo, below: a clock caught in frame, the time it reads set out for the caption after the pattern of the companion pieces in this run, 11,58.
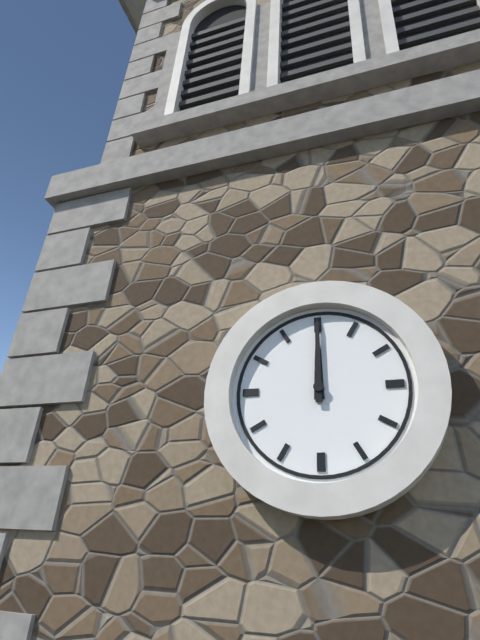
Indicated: 12,00
